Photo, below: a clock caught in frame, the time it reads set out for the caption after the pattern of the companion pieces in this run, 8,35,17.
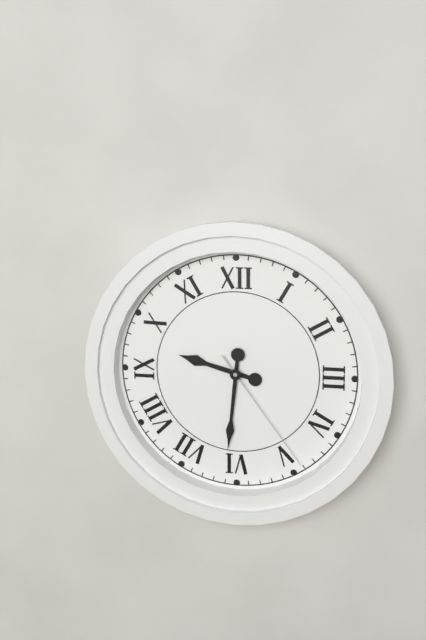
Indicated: 9,31,24
